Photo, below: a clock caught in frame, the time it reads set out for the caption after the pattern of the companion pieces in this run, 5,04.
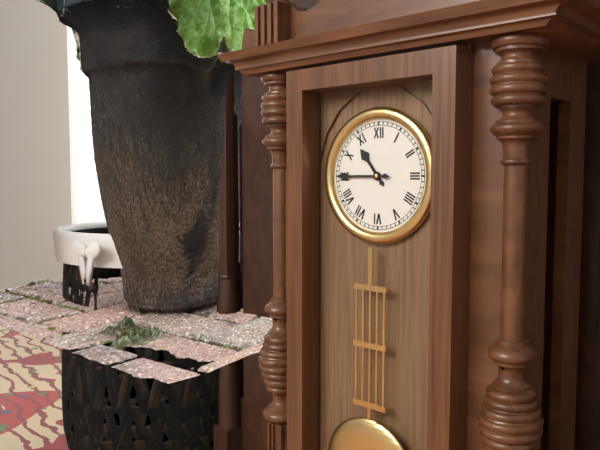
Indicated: 10,45
